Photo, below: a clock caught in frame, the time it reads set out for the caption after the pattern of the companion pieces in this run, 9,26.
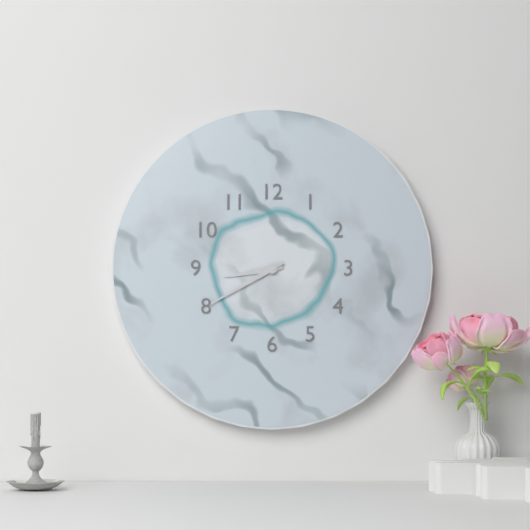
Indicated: 8,40
